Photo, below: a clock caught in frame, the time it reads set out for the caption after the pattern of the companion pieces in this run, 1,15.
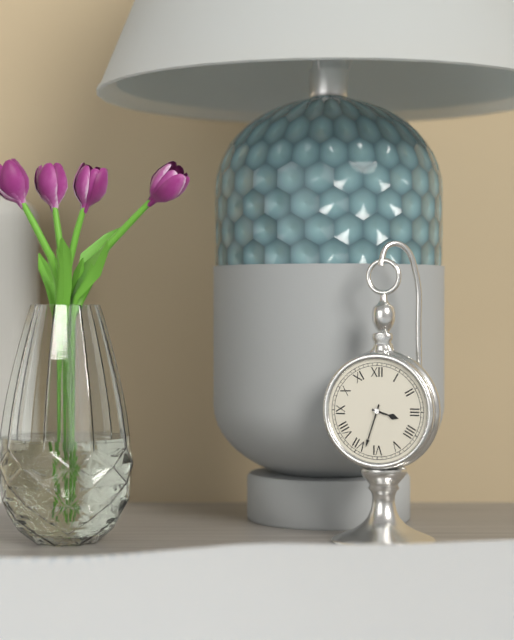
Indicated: 3,33
